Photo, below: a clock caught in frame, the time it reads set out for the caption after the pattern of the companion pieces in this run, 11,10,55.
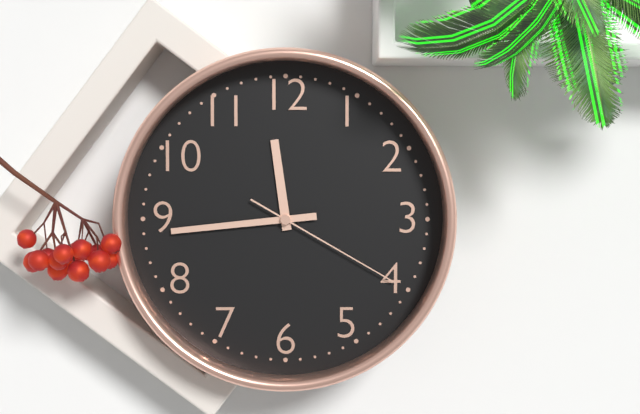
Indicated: 11,44,20
